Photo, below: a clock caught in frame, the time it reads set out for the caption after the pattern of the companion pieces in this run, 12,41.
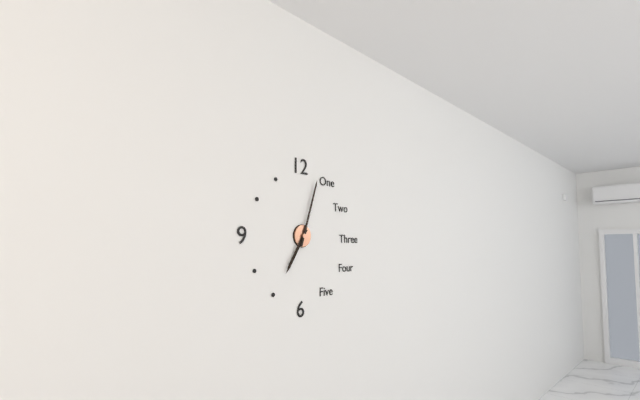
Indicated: 7,03
